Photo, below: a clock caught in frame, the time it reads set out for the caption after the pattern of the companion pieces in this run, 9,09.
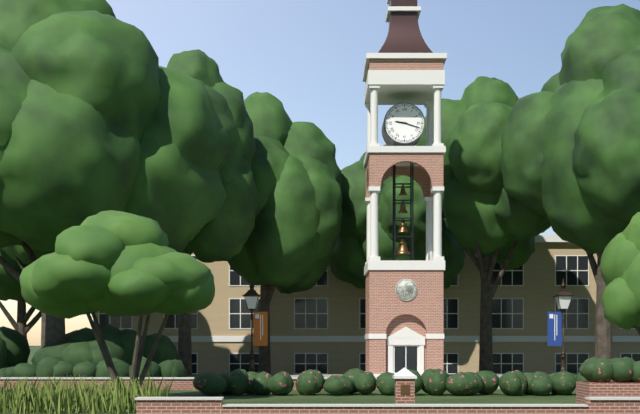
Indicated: 9,18
